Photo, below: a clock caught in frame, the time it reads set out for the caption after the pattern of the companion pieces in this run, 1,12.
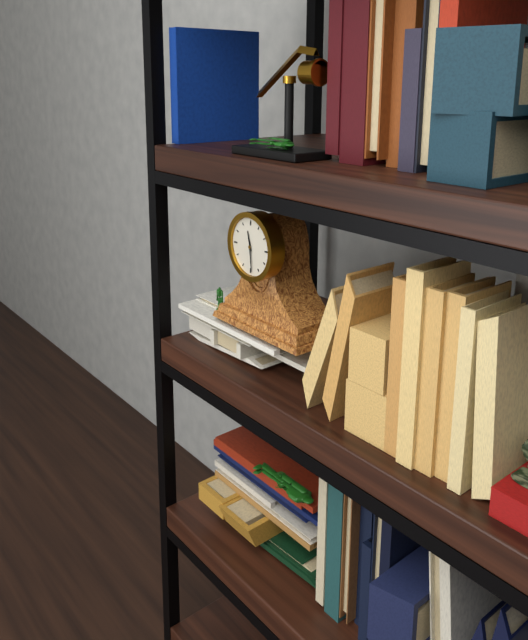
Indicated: 11,29
